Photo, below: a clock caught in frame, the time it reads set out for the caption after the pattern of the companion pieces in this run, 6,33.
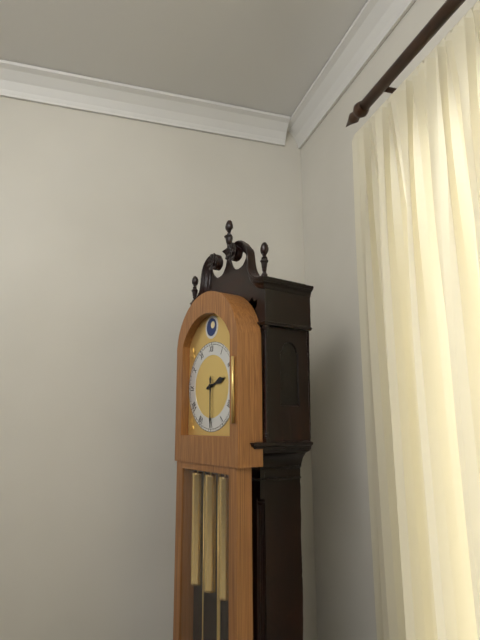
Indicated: 2,30
